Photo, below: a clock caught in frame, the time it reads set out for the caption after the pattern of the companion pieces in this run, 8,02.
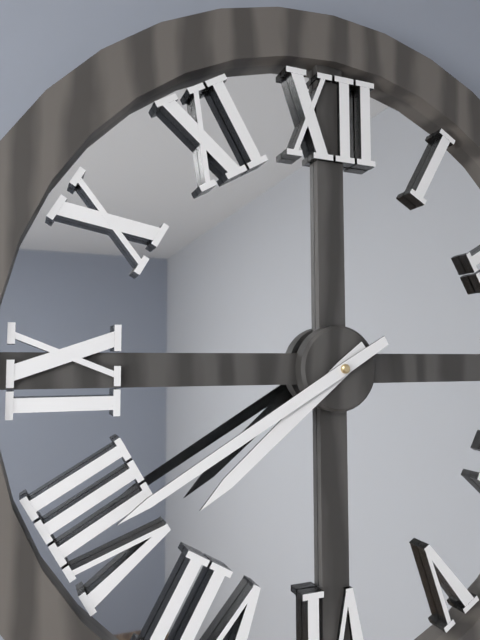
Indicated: 7,40
